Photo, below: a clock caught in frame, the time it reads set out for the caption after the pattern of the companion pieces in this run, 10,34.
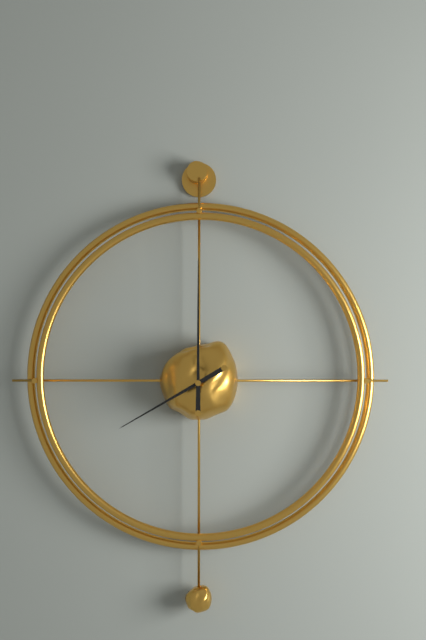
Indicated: 8,00
